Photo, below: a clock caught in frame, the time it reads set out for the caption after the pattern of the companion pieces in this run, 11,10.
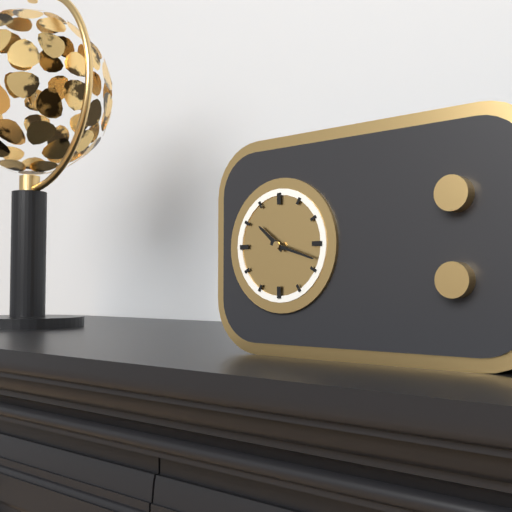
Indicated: 10,18
